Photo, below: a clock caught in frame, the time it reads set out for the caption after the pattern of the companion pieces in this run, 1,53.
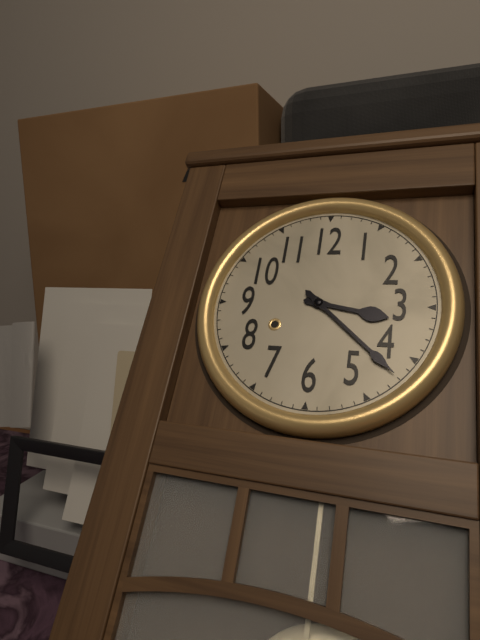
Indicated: 3,22
